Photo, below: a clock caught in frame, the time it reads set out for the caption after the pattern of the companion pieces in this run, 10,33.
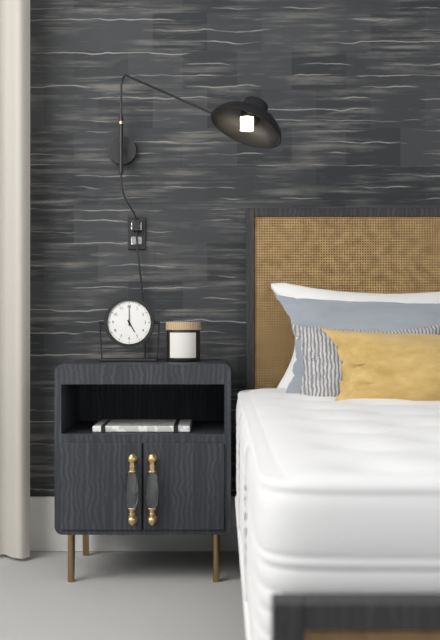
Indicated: 5,00
